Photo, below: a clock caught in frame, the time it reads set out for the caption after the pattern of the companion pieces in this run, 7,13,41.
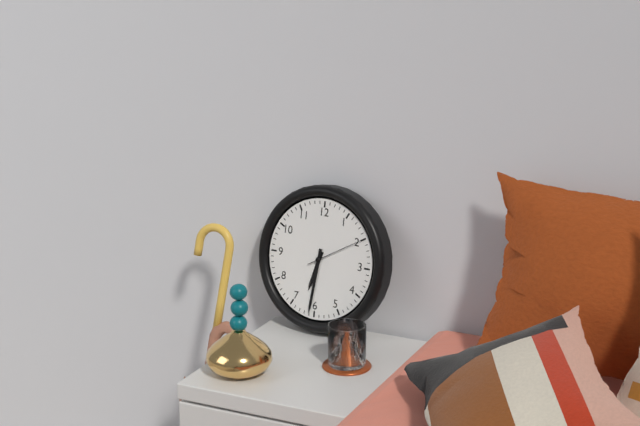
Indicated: 6,31,10
